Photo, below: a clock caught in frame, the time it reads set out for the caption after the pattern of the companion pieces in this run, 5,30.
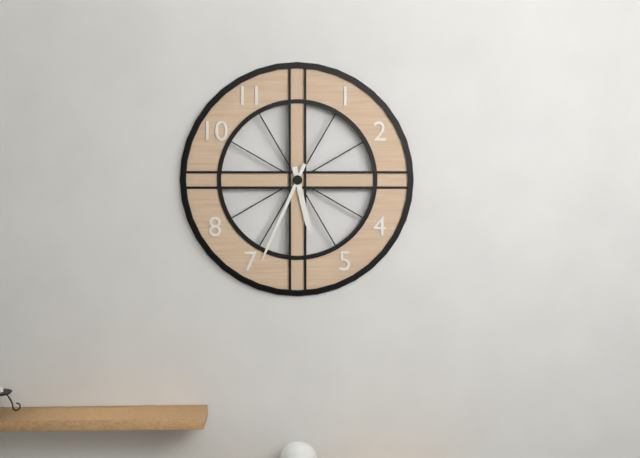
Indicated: 5,34
